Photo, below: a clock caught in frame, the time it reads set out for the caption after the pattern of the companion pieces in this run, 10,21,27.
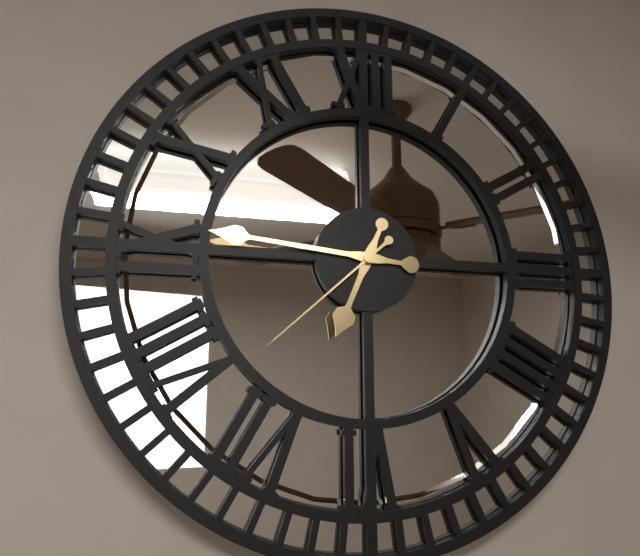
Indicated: 6,46,38
